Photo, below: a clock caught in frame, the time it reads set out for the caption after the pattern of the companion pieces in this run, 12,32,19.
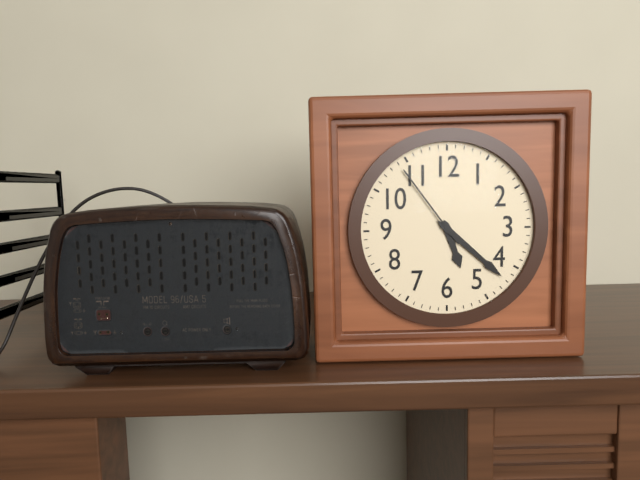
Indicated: 5,22,54
